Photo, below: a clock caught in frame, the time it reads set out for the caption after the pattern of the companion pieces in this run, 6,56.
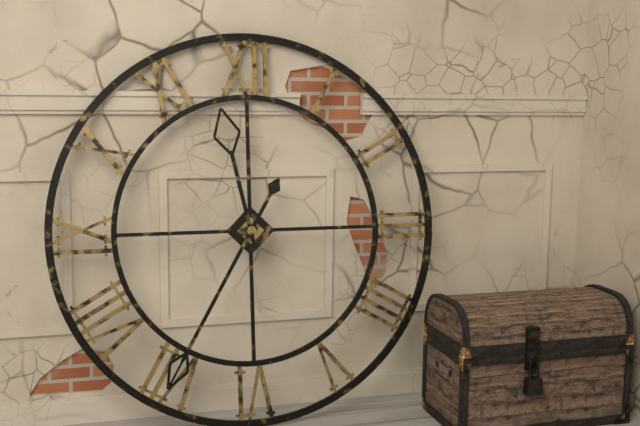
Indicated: 11,35
